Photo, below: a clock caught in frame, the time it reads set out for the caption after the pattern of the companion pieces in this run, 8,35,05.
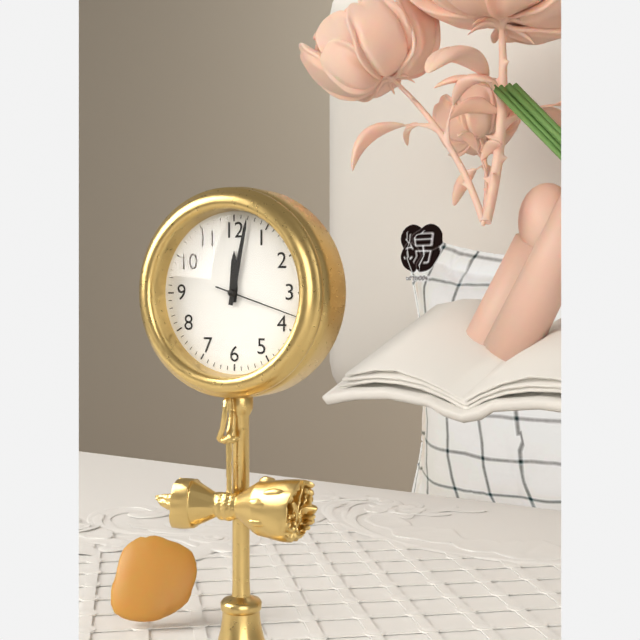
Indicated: 12,02,18
